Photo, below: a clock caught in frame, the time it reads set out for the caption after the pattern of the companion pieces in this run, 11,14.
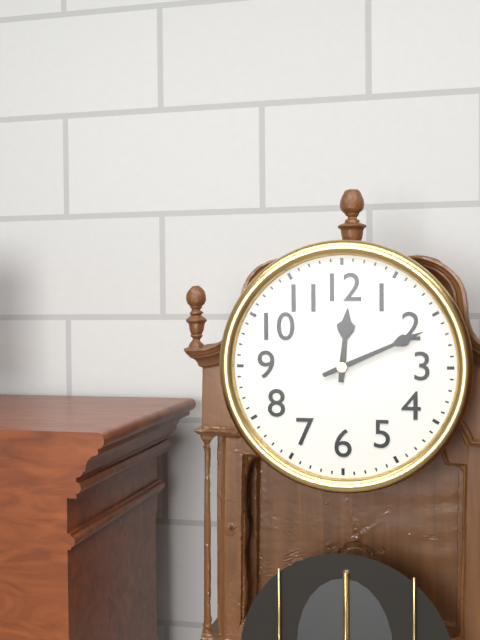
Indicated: 12,11
